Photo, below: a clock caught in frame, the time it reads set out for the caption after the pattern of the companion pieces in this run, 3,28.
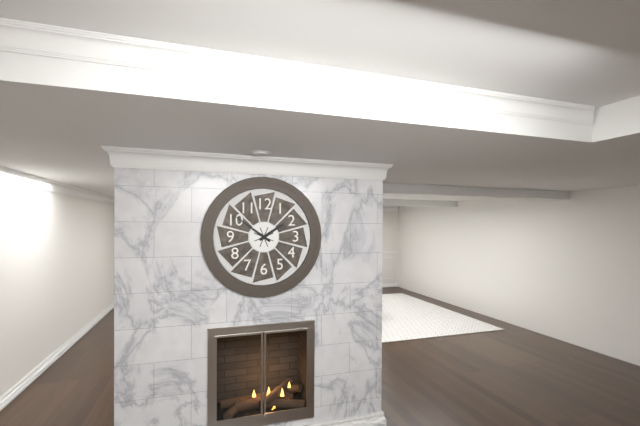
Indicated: 1,51
